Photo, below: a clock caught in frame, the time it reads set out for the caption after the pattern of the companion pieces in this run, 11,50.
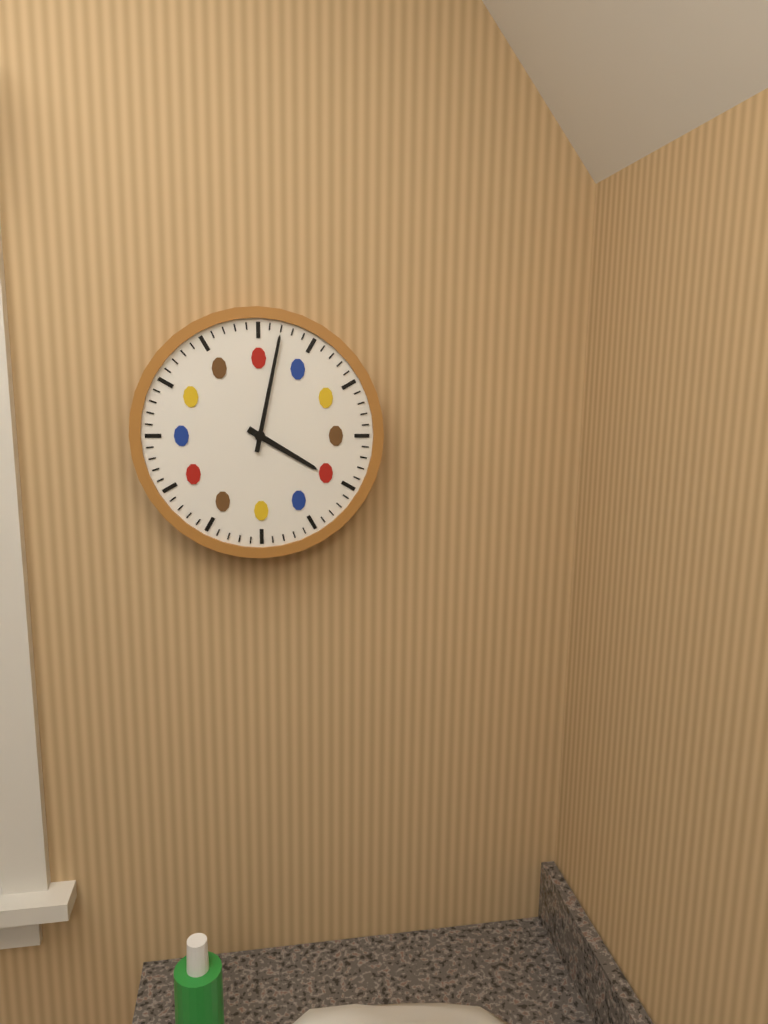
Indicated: 4,02
